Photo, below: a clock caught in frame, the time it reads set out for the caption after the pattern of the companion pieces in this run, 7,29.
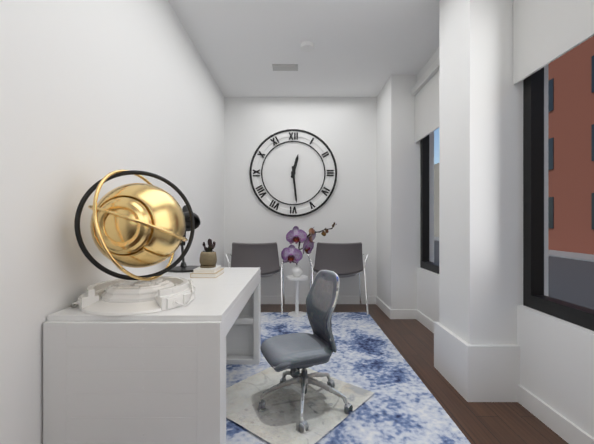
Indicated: 12,29
